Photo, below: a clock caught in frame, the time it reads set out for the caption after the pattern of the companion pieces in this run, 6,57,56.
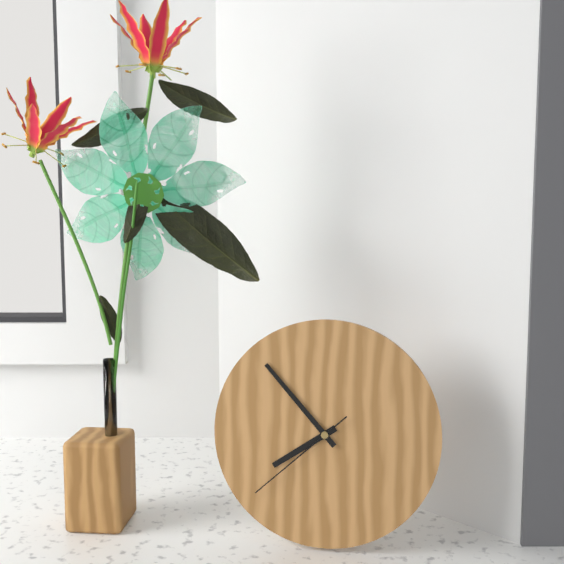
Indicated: 7,53,38
